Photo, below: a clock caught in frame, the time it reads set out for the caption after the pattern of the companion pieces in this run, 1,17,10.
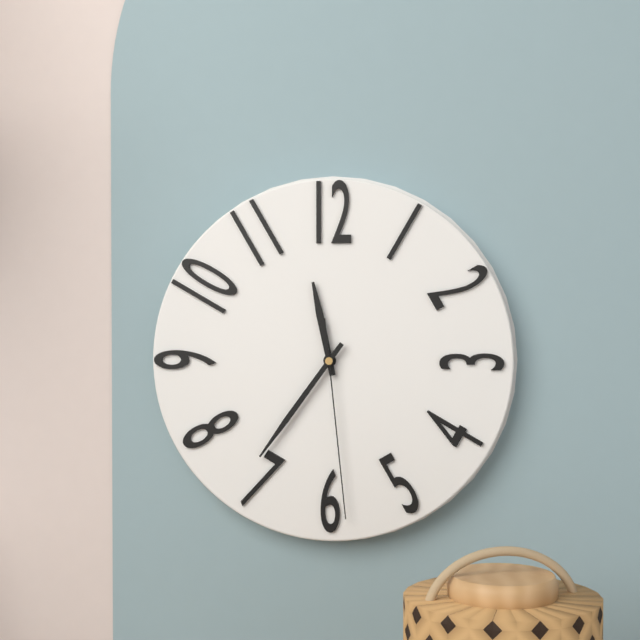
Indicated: 11,36,29
